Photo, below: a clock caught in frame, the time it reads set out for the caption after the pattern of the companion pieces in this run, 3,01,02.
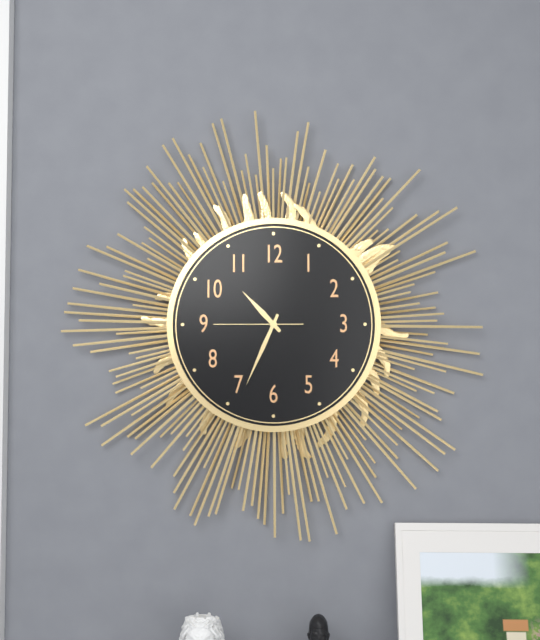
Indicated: 10,34,45
